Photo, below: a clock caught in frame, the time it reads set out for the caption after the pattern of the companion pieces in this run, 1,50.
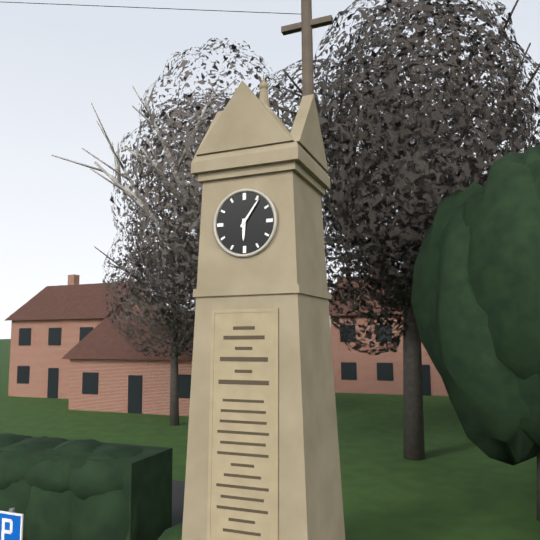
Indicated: 6,06
